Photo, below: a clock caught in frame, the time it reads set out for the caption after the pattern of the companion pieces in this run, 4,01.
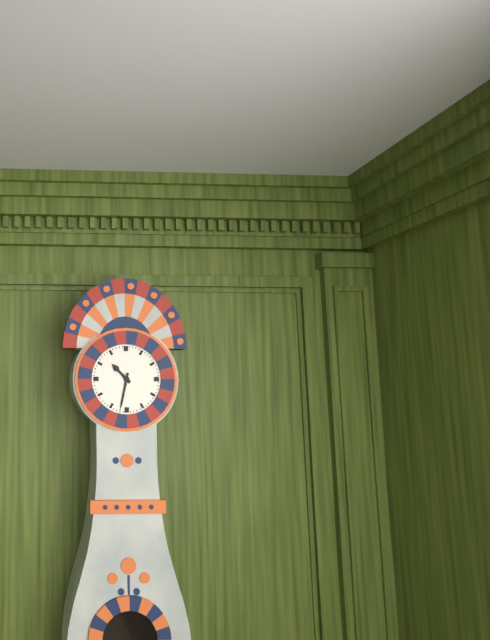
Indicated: 10,32
